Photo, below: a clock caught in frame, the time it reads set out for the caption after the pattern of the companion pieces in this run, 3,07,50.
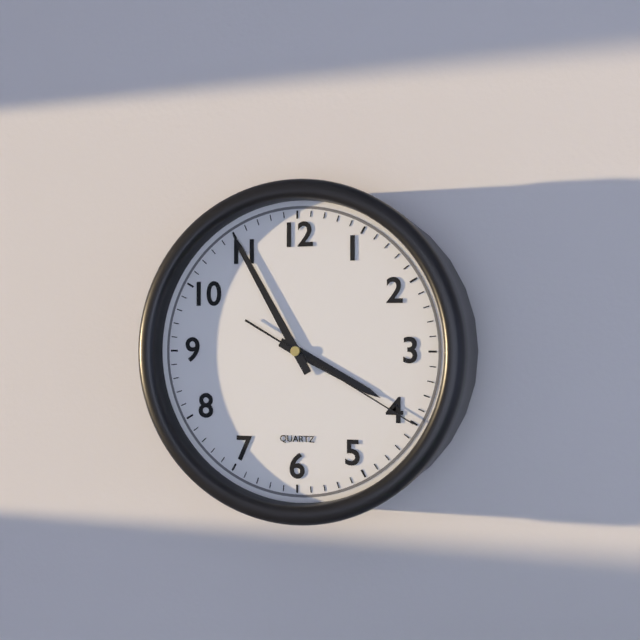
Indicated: 3,55,20
